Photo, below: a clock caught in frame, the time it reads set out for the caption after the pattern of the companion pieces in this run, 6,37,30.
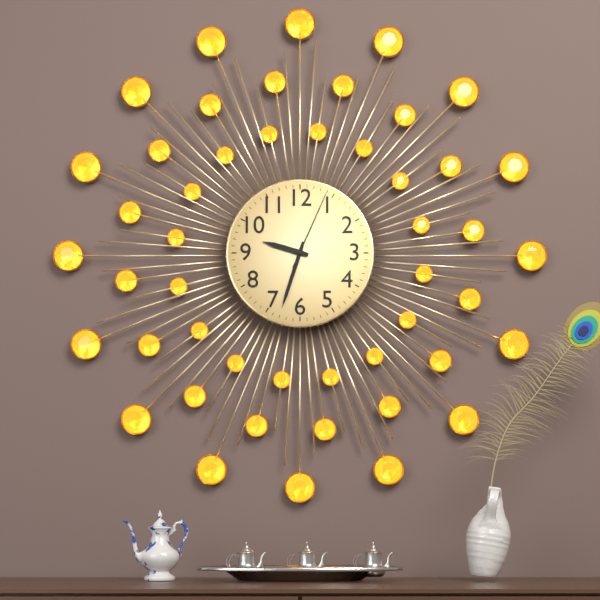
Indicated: 9,33,04
